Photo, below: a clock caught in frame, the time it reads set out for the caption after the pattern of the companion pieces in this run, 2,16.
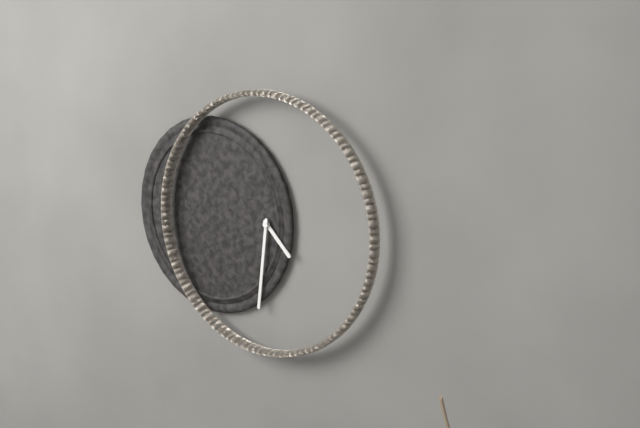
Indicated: 4,31
